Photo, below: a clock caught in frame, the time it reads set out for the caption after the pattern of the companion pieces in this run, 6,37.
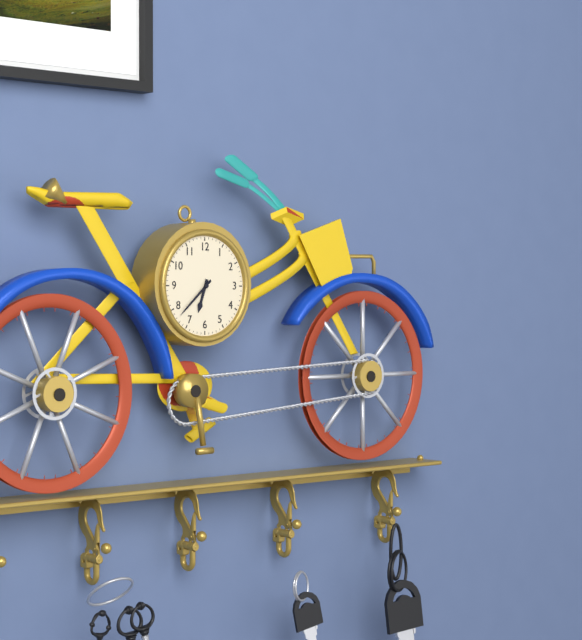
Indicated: 6,38
